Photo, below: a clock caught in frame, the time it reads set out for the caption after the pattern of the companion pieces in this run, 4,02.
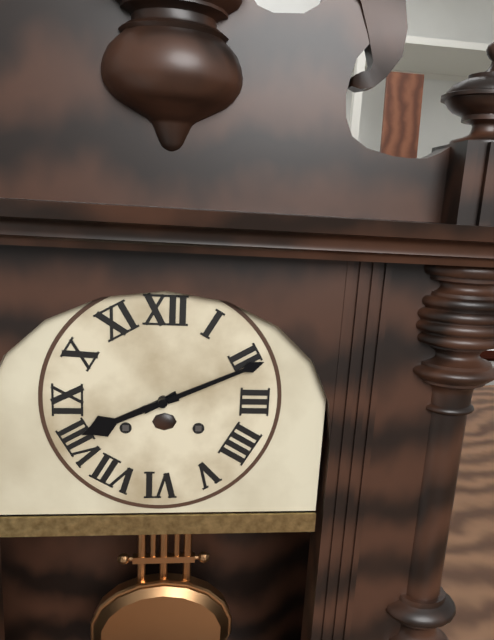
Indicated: 8,11
